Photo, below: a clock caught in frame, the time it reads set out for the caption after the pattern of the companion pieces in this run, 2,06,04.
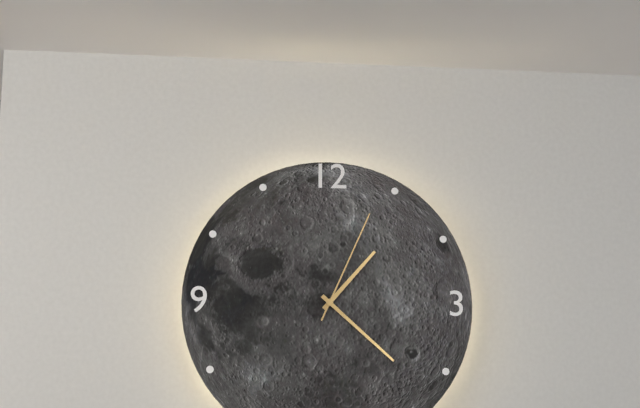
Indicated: 1,22,04
